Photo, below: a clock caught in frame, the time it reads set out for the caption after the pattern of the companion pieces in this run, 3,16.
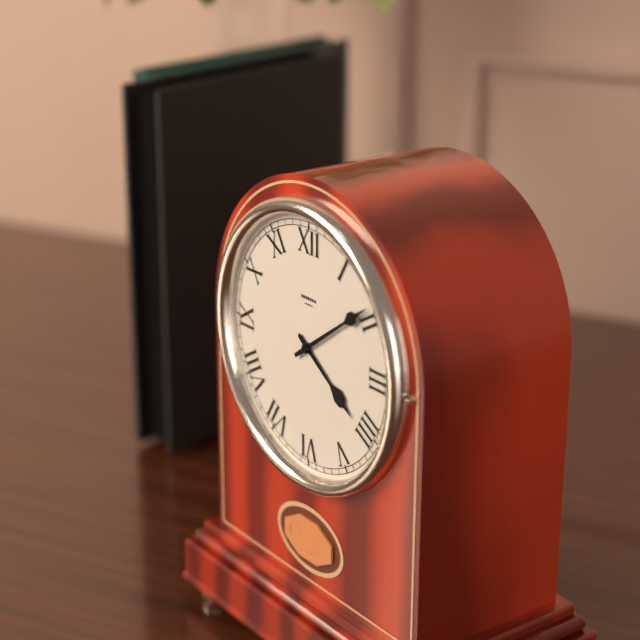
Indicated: 4,09
